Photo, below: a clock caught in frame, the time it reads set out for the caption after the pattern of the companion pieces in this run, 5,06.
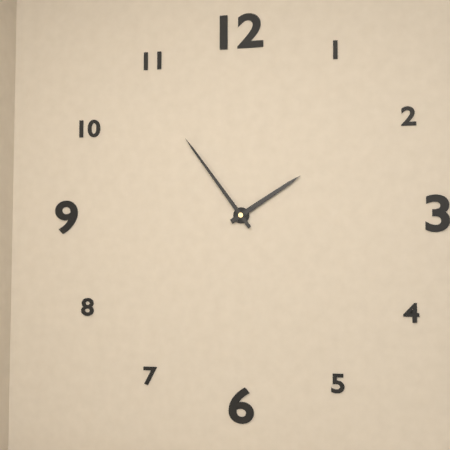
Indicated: 1,54
